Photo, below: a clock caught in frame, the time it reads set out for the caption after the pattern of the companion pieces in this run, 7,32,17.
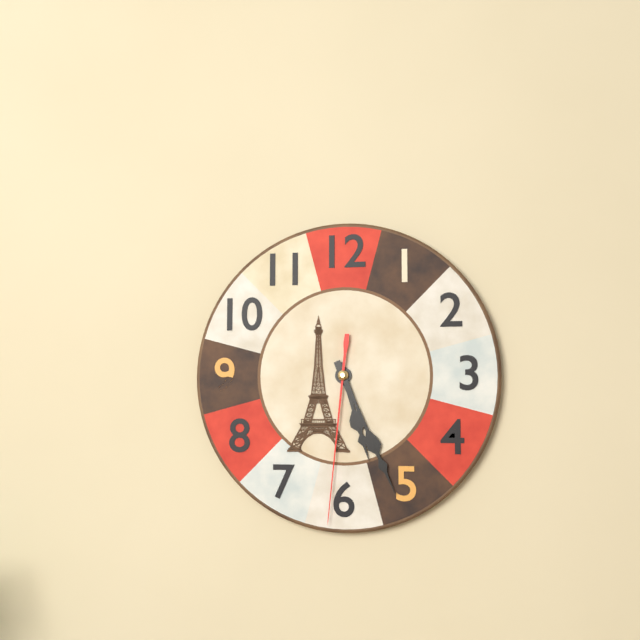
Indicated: 5,26,31
